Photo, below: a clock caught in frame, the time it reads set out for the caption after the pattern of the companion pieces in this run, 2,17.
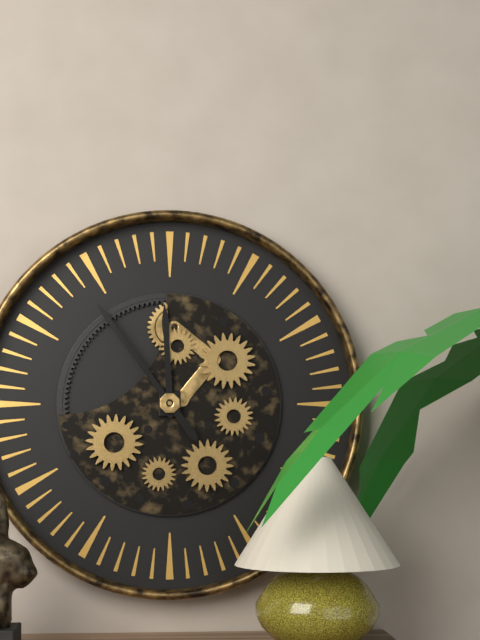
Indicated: 11,54
